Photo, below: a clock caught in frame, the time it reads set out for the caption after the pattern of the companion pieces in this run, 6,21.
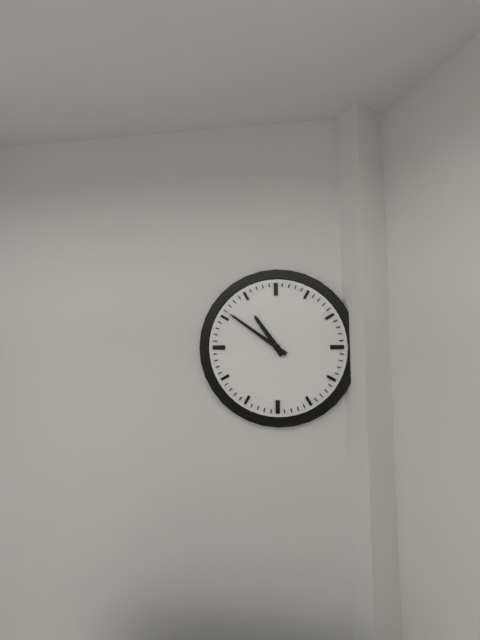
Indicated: 10,51
